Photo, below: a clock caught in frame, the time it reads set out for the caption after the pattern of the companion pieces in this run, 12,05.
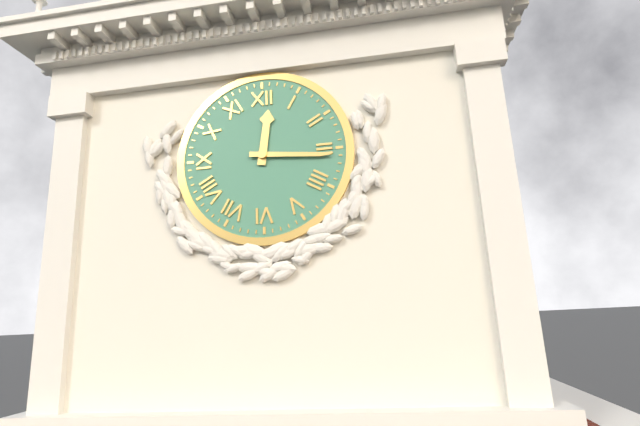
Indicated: 12,16
